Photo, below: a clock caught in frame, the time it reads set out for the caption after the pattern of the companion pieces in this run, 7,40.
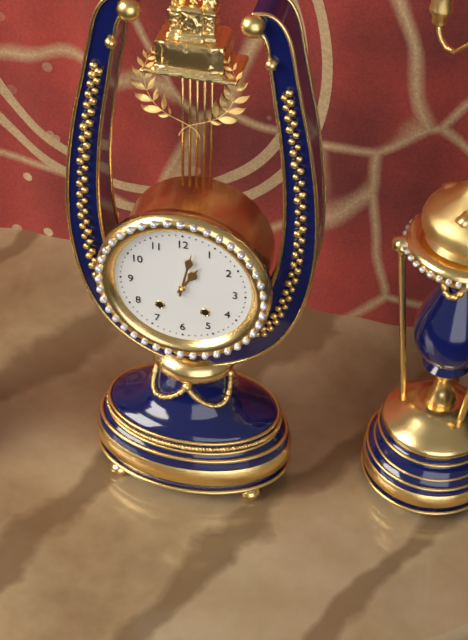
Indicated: 1,02
